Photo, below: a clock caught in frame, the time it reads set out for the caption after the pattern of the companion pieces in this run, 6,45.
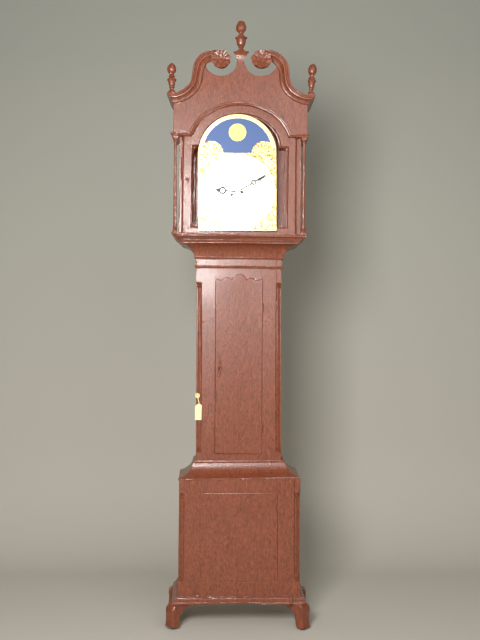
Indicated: 9,10
